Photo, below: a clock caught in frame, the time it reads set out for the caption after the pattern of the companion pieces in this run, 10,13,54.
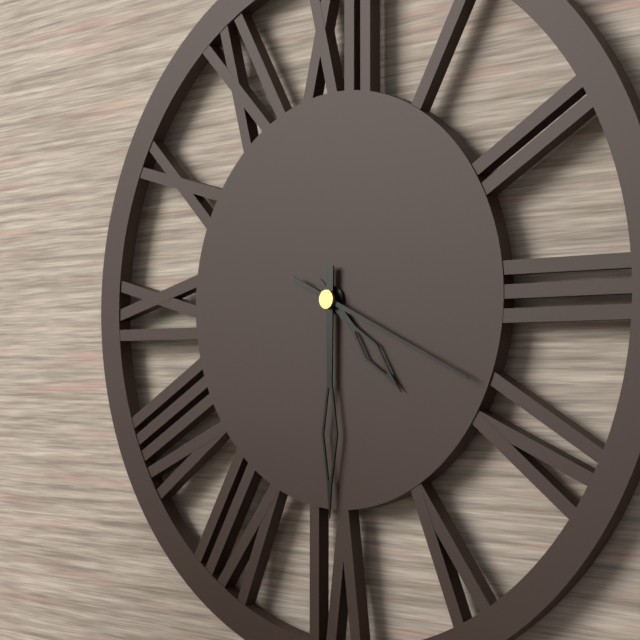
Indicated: 4,30,19
